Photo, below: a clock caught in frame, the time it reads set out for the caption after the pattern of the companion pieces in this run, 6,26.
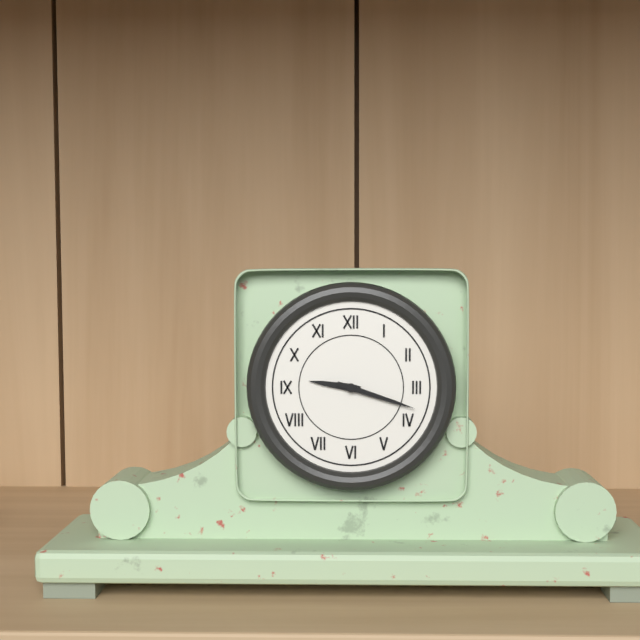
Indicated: 9,18
